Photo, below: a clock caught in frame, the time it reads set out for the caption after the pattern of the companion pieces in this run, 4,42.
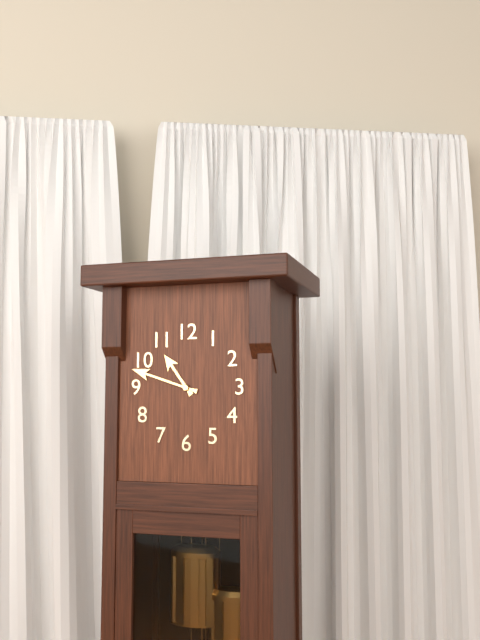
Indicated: 10,48
